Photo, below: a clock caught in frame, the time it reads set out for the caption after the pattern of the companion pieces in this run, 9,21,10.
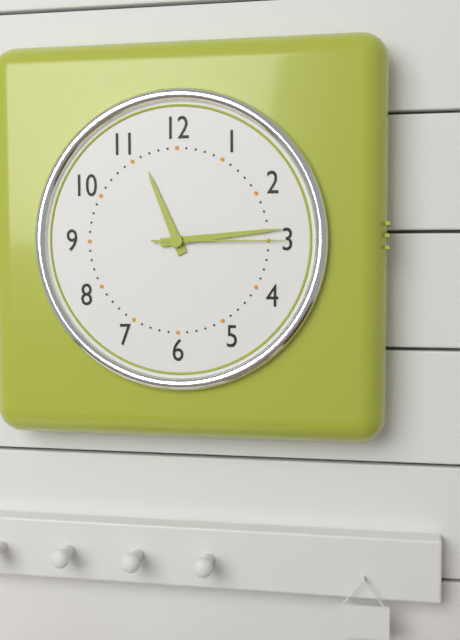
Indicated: 11,14,15
